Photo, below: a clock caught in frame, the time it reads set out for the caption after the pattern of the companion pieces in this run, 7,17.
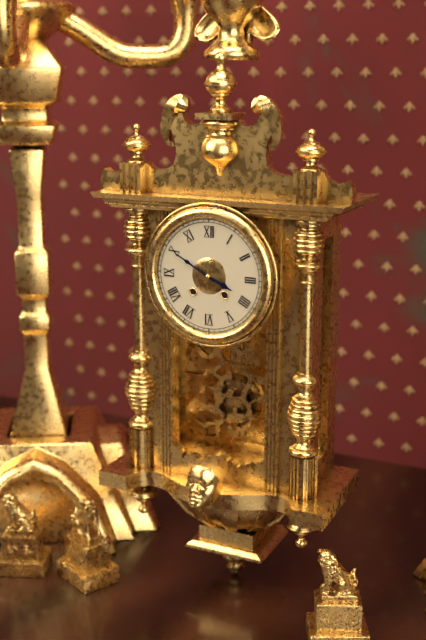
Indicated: 3,50
